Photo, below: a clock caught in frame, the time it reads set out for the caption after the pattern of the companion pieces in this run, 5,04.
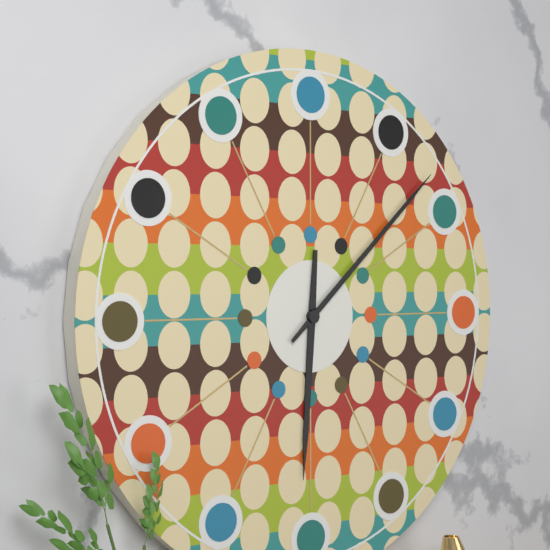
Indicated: 6,08
